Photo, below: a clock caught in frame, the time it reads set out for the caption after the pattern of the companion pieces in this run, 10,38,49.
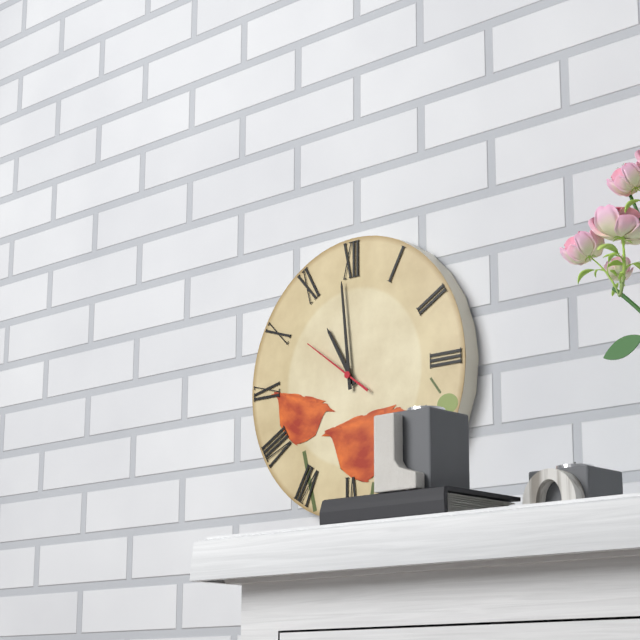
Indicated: 10,59,51
